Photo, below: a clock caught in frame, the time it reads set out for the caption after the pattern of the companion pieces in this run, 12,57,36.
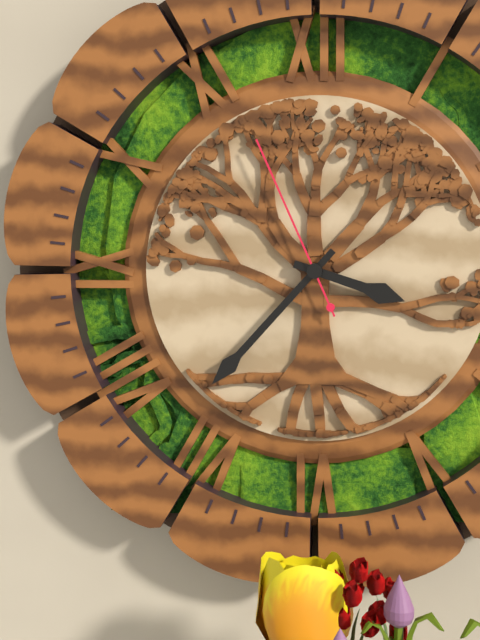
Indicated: 3,37,56
